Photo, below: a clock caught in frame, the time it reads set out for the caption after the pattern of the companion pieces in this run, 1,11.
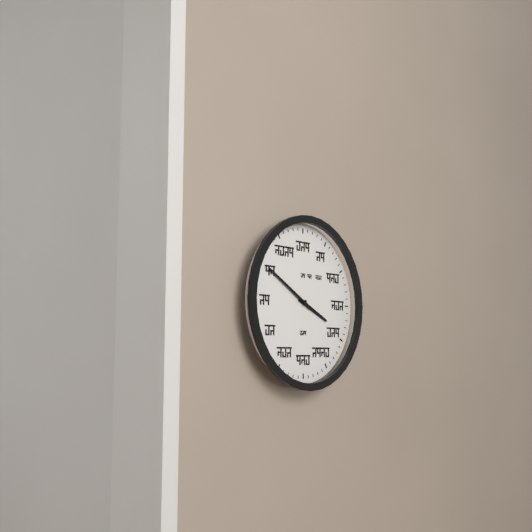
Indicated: 3,50
